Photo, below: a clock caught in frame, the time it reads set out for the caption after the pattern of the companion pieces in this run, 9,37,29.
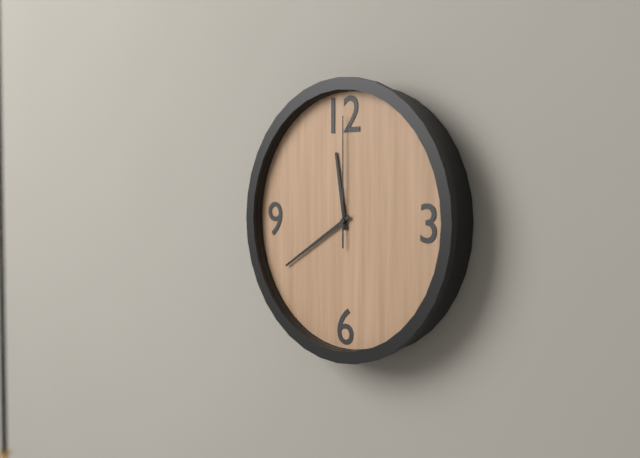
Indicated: 11,40,00
